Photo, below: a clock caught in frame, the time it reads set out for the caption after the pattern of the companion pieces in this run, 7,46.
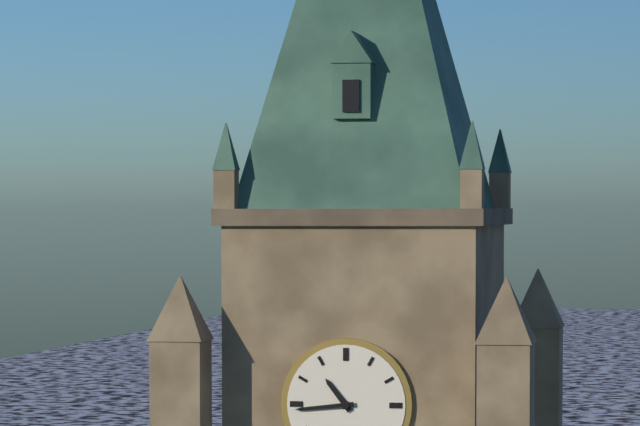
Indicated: 10,44
